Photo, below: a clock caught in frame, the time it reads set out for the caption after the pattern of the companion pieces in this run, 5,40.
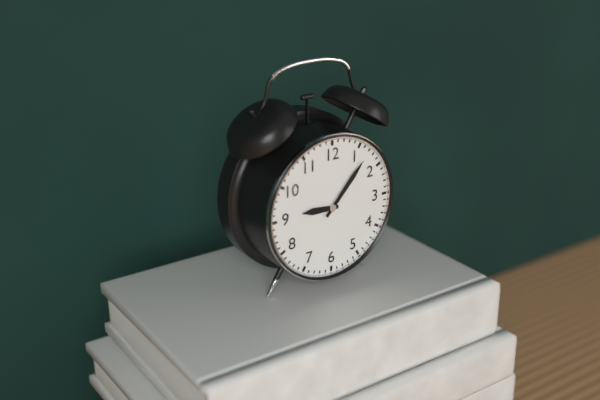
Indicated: 9,07
